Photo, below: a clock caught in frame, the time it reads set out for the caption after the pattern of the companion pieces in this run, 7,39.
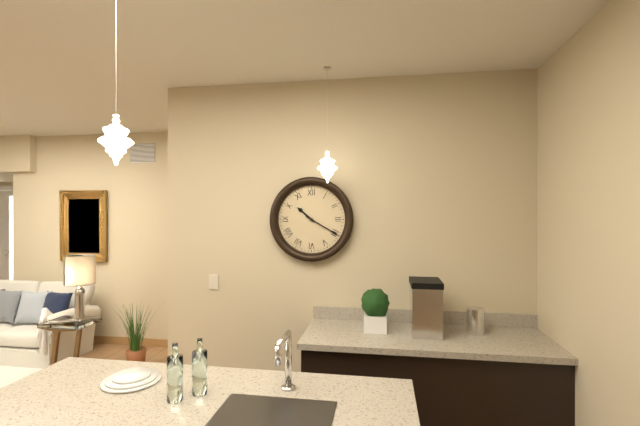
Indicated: 10,20
